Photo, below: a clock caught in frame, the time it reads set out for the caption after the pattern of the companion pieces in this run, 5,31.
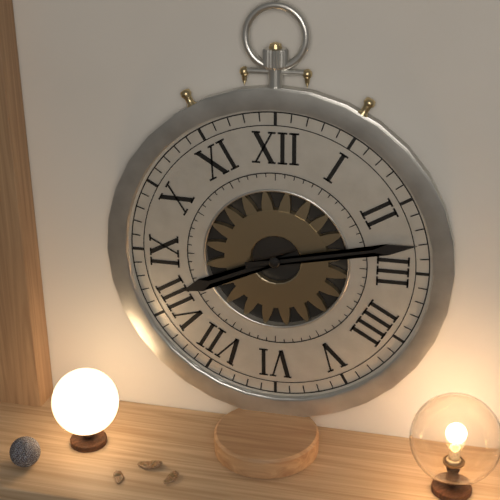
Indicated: 8,13
